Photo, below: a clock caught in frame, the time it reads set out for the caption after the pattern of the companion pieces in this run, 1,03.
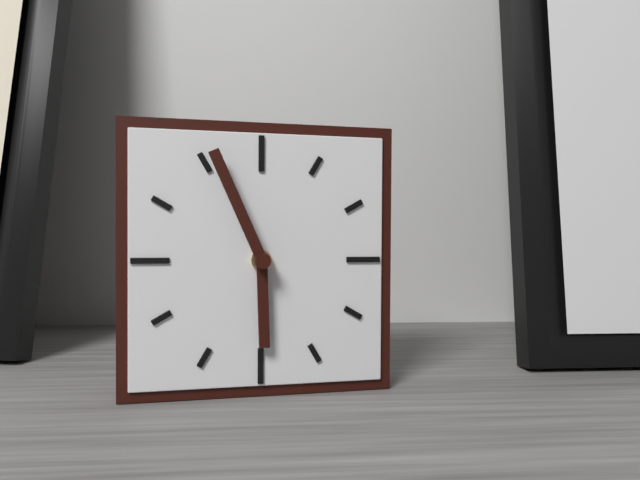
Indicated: 5,56
